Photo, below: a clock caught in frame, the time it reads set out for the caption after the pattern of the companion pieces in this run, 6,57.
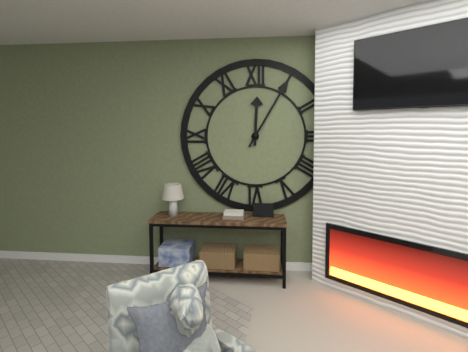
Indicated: 12,05
